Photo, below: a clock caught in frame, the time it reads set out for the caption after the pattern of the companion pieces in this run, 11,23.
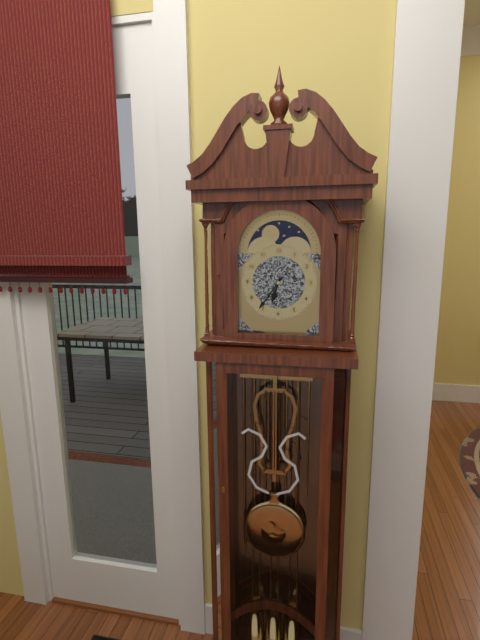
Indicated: 6,36
